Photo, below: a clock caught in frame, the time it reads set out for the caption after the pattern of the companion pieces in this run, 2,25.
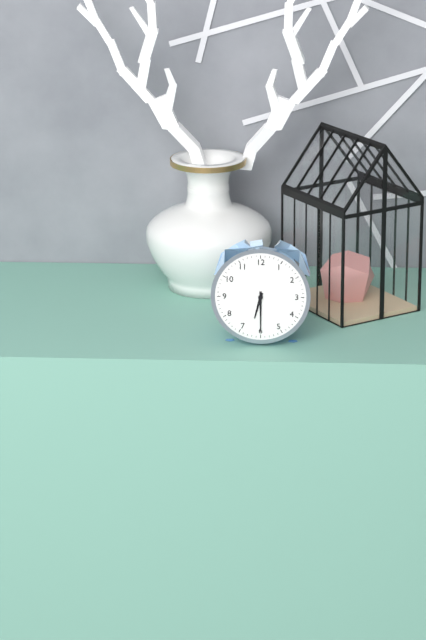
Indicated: 6,30
